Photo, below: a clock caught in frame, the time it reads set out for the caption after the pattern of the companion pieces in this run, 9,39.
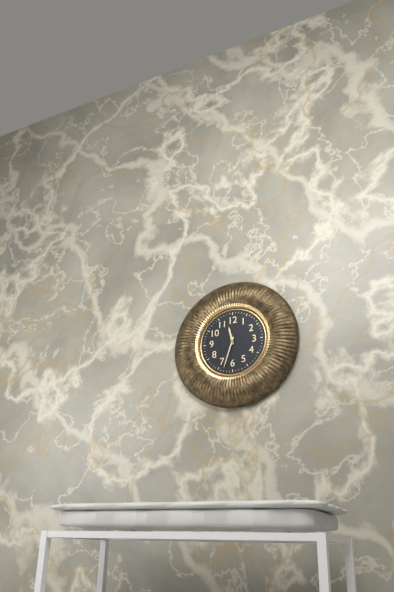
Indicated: 11,33
